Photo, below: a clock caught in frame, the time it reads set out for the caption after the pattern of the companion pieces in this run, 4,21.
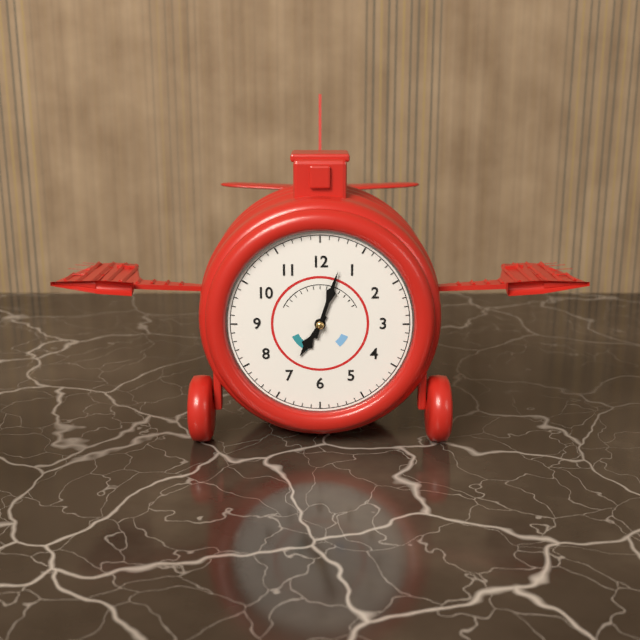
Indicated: 7,03
